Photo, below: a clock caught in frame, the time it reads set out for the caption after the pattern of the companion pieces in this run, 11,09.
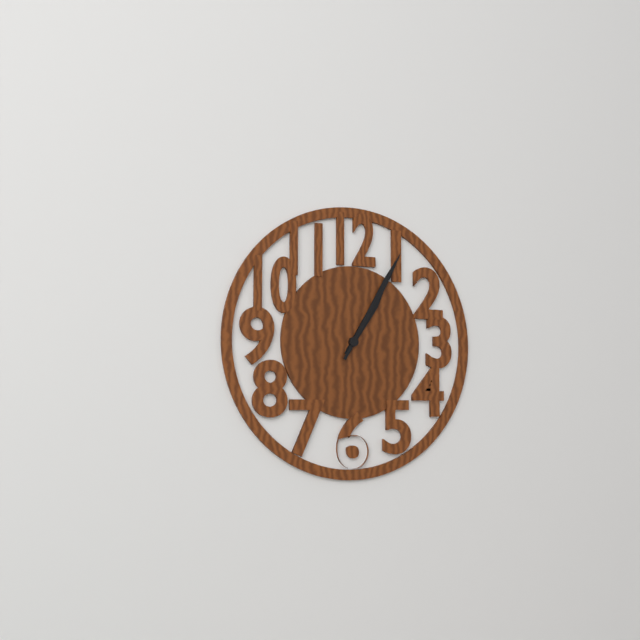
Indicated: 1,05
